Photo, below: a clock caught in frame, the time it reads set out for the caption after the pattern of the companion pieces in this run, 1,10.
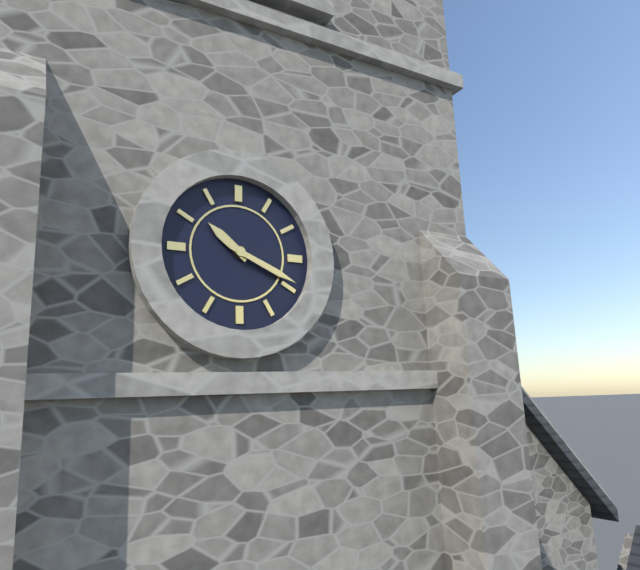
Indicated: 10,19
